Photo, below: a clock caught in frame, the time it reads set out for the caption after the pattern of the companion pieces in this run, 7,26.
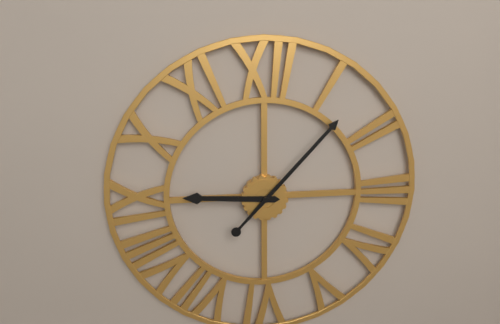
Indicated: 9,07
